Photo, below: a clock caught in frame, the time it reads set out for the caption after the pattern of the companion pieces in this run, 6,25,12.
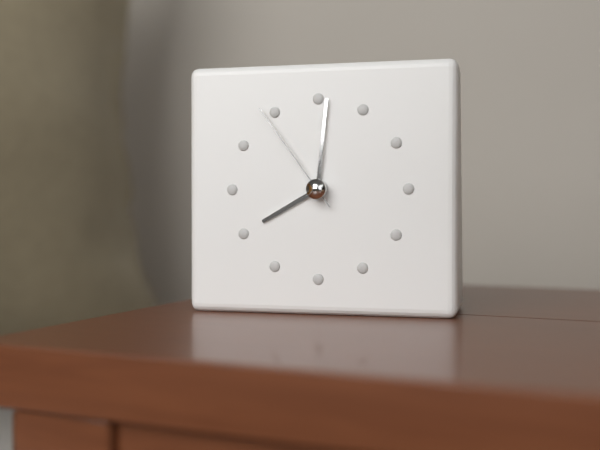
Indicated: 8,01,54
